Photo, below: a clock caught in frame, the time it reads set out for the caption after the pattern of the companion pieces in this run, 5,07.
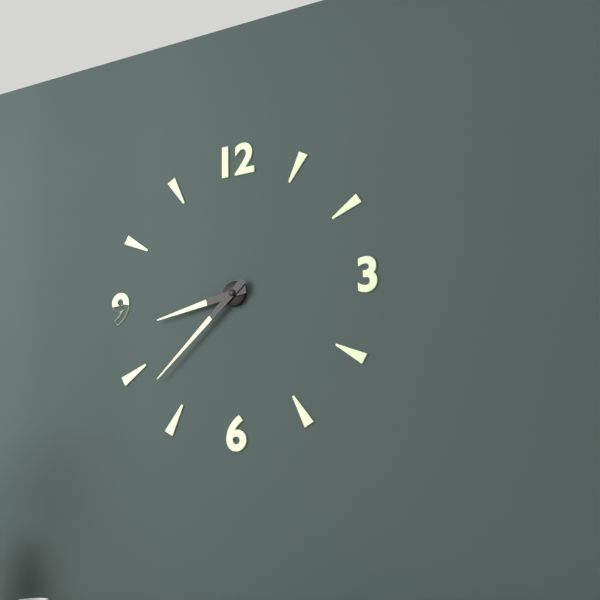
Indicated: 8,38
